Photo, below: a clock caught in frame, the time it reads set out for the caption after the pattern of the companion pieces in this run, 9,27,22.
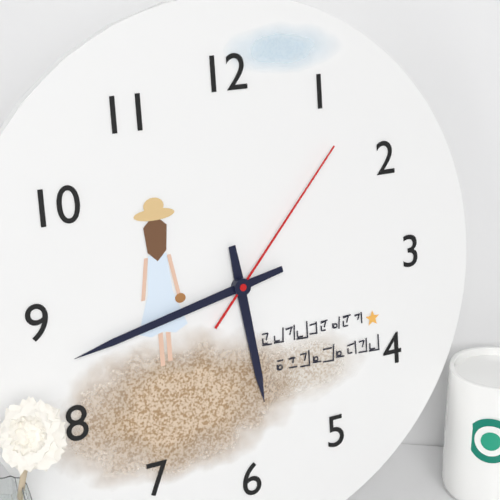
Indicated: 5,43,07
